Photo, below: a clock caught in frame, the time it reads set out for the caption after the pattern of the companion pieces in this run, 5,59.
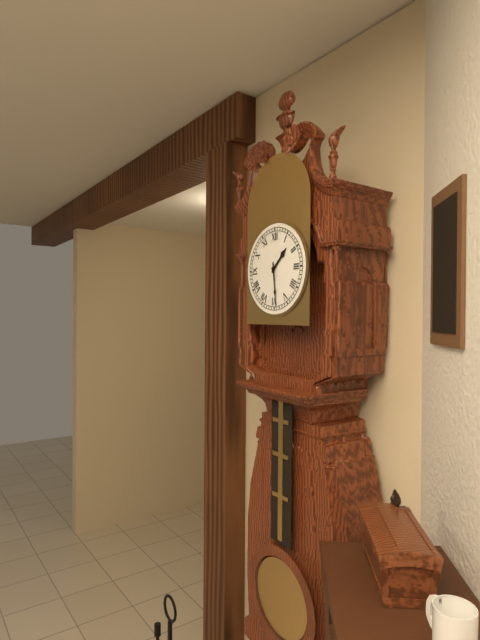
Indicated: 1,29
